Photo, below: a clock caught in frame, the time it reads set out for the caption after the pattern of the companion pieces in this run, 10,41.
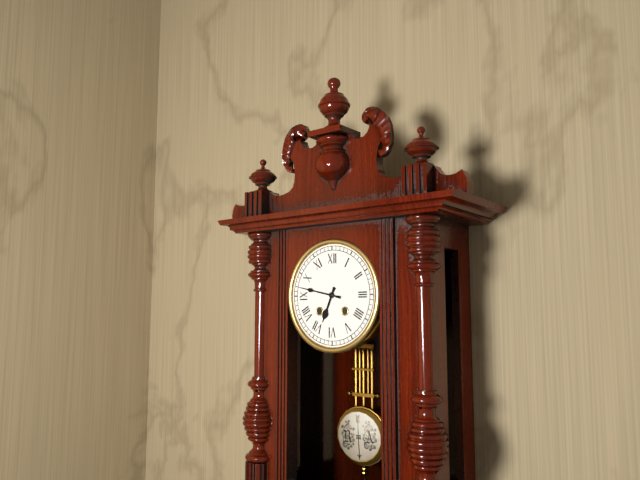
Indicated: 6,47
